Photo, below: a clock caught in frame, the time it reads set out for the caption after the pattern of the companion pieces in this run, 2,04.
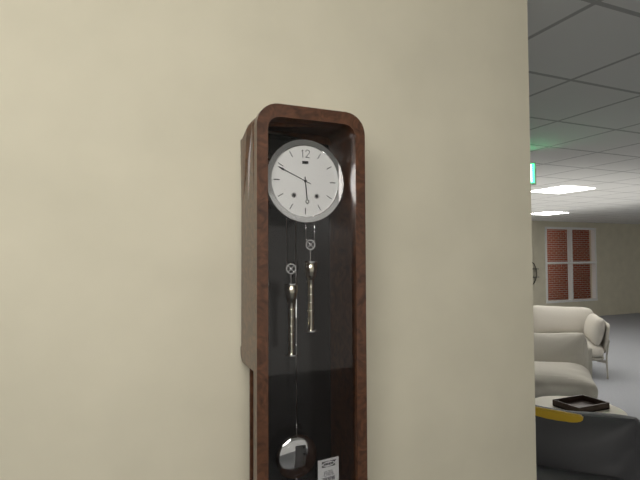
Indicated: 5,49
